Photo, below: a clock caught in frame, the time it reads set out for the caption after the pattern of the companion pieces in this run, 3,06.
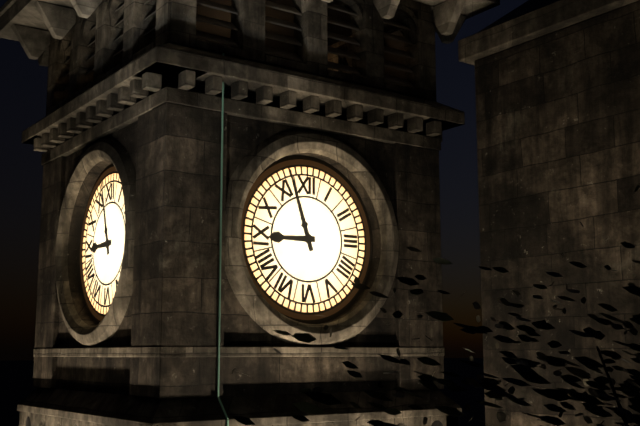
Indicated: 8,57
